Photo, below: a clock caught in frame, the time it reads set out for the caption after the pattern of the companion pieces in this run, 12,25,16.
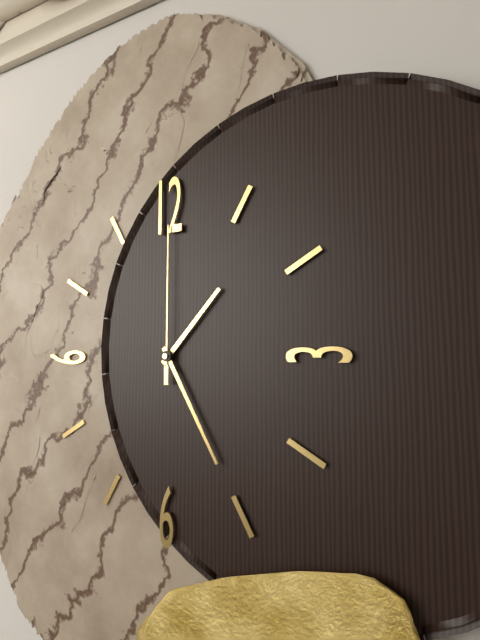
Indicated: 1,25,00
